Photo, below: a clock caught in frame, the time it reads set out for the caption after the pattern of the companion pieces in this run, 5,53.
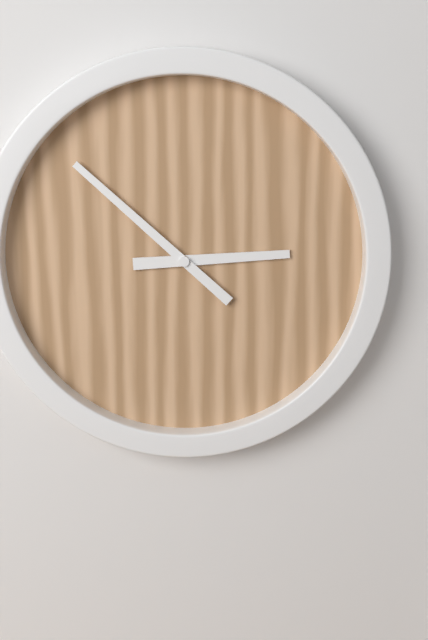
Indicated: 2,52
